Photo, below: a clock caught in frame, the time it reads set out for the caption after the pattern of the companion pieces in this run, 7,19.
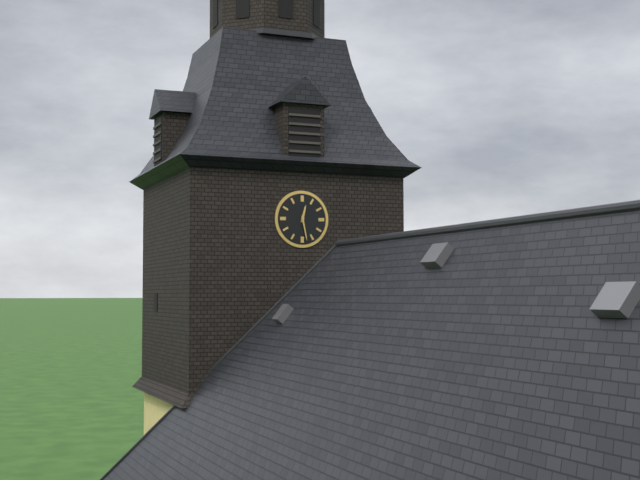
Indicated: 12,28
